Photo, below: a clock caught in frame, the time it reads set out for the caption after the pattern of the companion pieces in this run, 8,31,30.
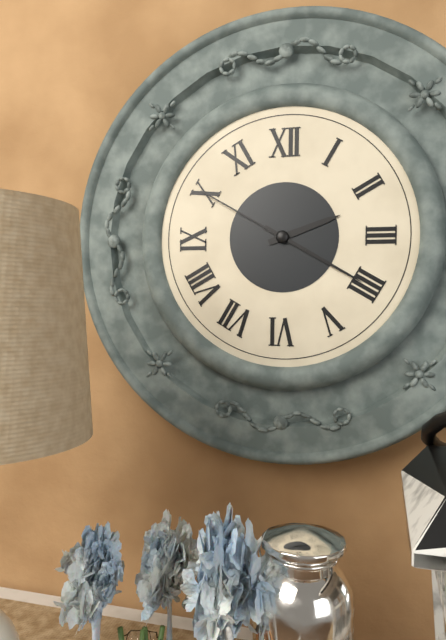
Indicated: 2,20,50
